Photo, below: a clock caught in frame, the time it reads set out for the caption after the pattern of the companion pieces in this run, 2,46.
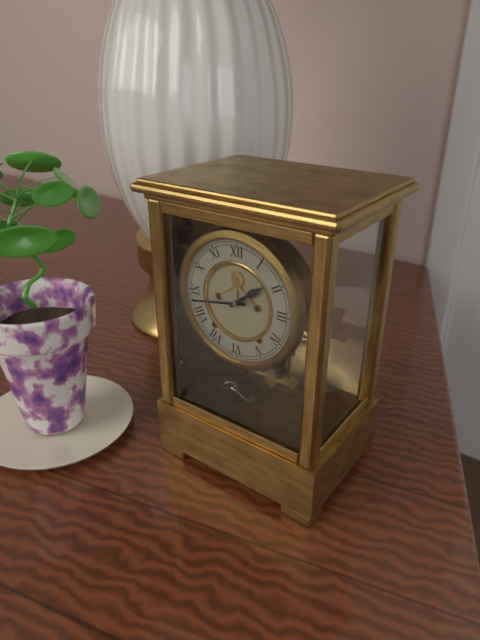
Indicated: 1,43
